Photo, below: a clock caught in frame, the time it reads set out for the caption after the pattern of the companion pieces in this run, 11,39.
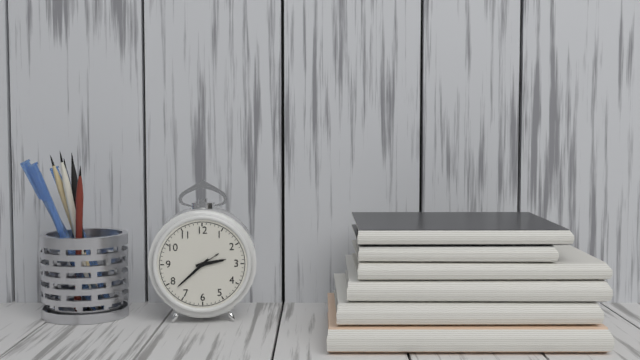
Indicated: 2,38
